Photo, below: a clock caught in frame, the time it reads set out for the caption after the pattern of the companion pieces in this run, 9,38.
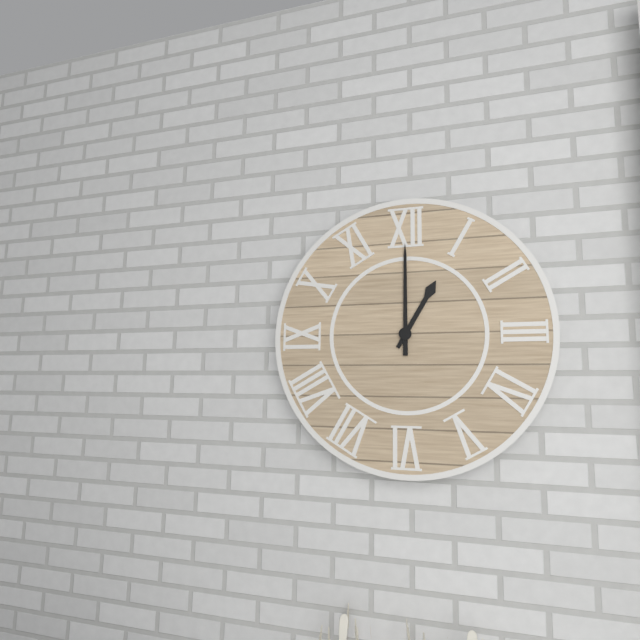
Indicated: 1,00
